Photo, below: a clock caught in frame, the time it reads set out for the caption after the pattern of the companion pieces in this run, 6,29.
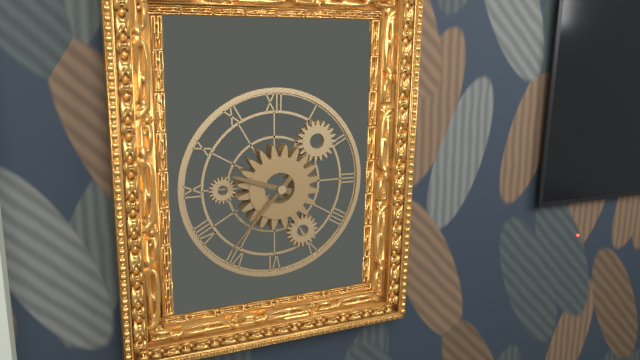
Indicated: 9,37
